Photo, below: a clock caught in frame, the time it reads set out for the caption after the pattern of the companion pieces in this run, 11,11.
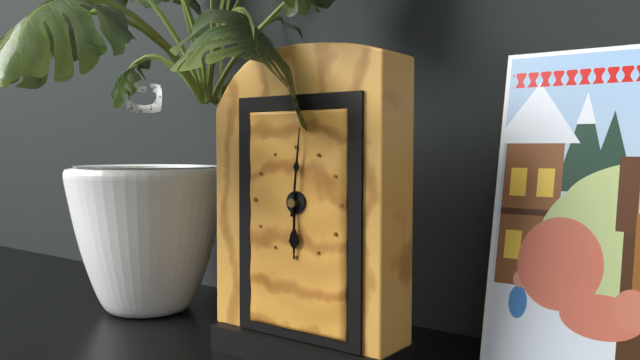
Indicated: 6,01
